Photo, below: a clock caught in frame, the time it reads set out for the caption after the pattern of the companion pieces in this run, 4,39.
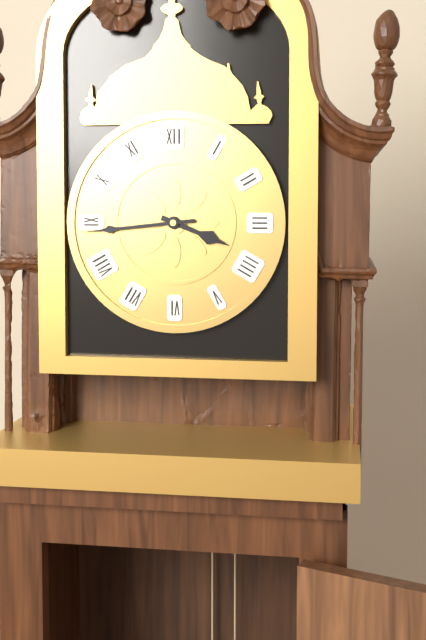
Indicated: 3,44
